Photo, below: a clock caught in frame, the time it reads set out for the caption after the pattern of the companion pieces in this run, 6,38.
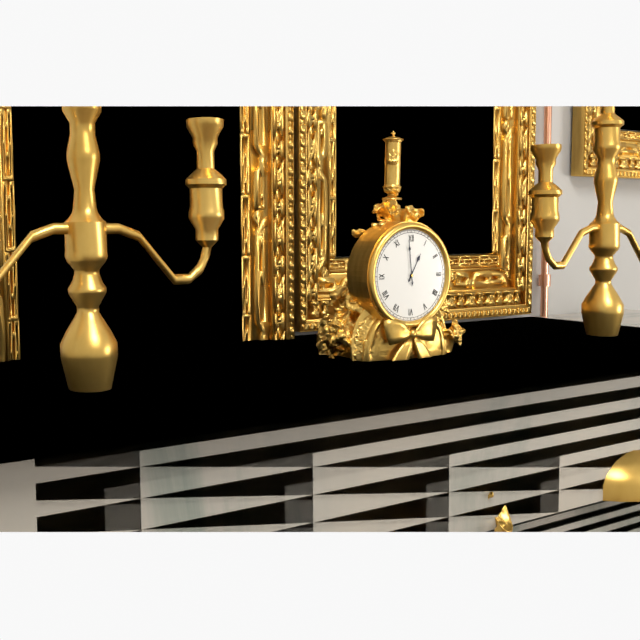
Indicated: 12,59
